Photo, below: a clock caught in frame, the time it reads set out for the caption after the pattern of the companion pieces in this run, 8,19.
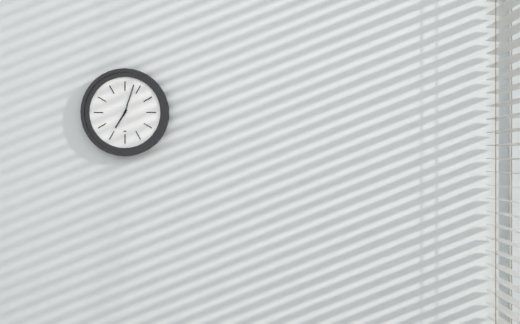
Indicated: 7,03
